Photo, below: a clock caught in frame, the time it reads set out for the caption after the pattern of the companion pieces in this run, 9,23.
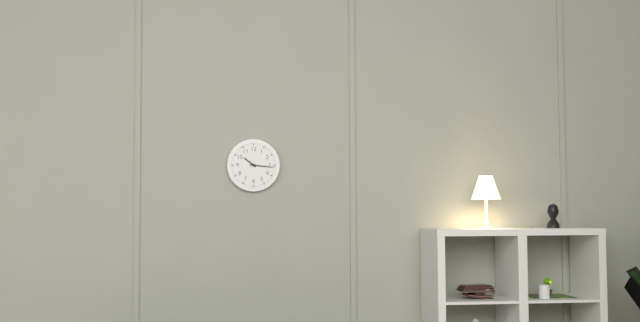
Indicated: 10,16
